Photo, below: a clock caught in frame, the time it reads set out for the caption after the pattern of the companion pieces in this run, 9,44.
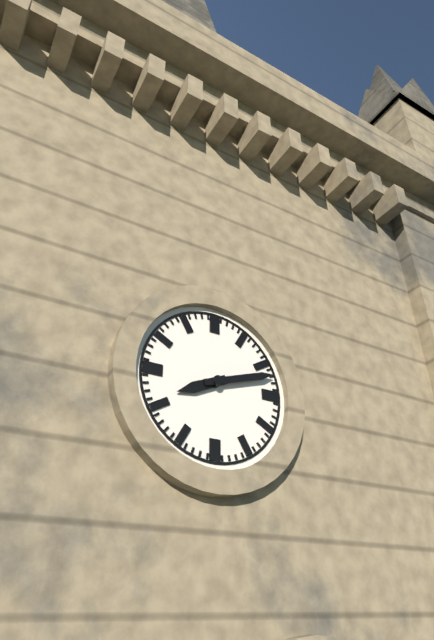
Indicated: 8,12
